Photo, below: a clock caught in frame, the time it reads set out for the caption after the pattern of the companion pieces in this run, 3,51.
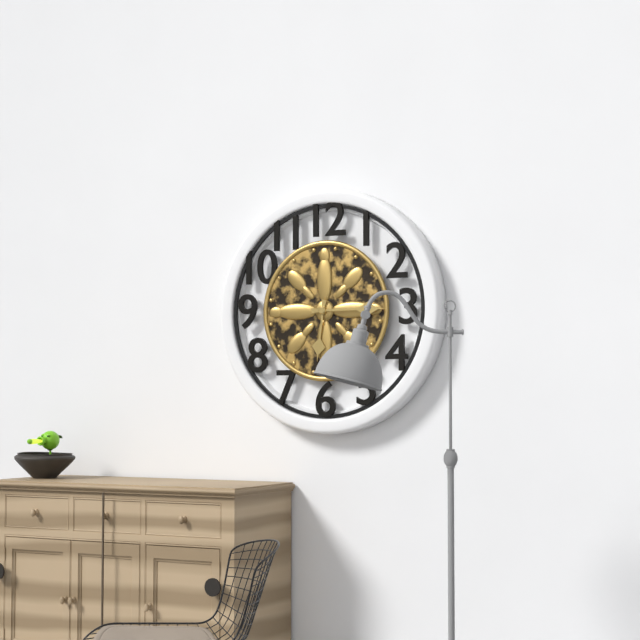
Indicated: 6,15
